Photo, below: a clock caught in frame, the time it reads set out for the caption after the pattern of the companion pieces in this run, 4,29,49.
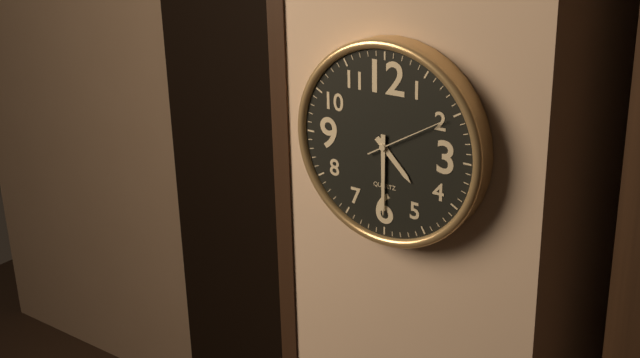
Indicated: 4,30,10
